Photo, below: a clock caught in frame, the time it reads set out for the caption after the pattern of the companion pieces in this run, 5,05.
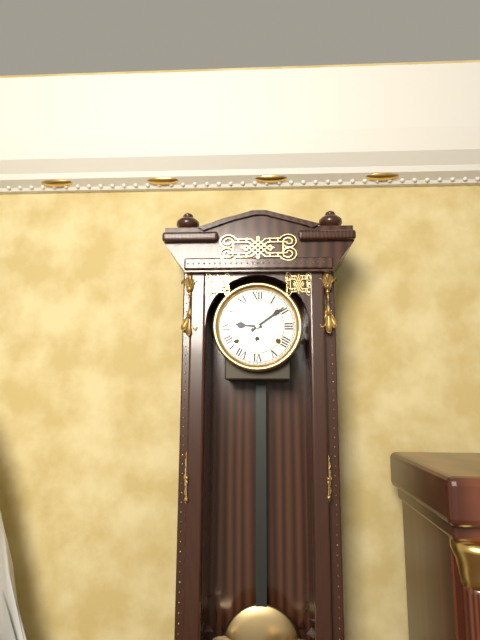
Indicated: 9,09
